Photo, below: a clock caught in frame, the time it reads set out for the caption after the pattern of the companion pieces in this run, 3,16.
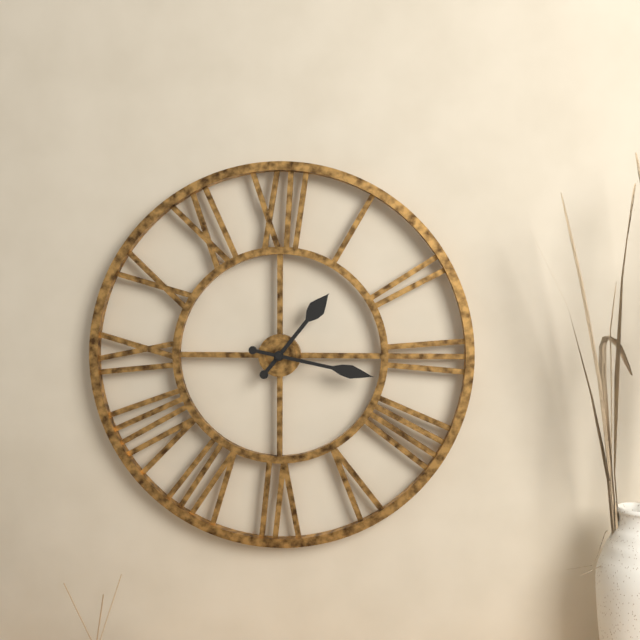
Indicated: 1,17
